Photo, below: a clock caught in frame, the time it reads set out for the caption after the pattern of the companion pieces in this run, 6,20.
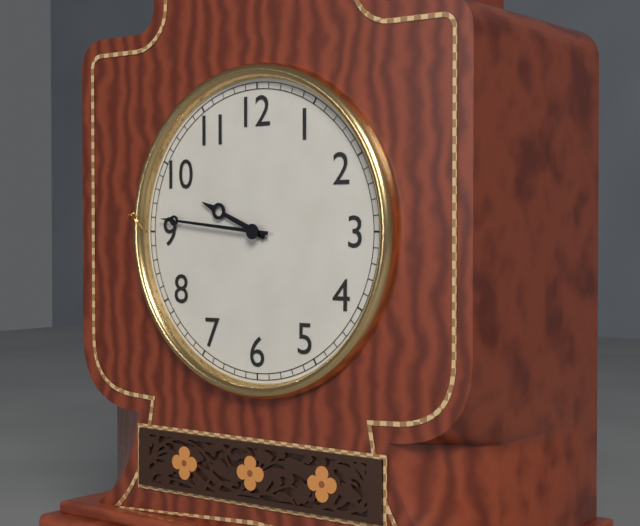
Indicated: 9,46
